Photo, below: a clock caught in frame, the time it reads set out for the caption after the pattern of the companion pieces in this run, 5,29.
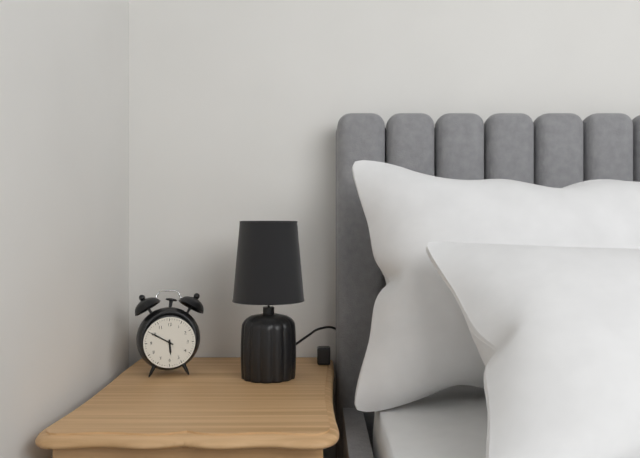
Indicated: 5,50
